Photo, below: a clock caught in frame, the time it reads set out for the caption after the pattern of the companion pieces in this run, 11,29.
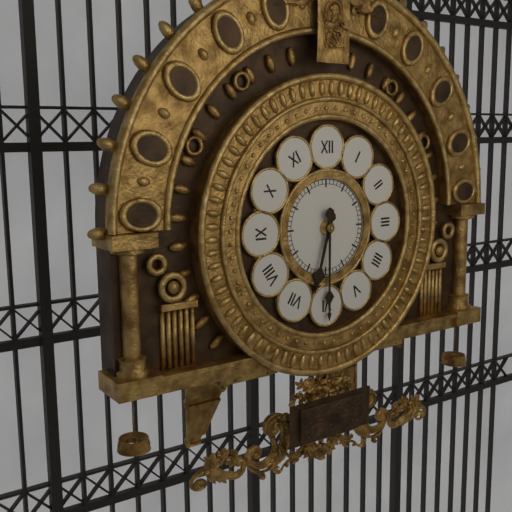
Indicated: 6,30
